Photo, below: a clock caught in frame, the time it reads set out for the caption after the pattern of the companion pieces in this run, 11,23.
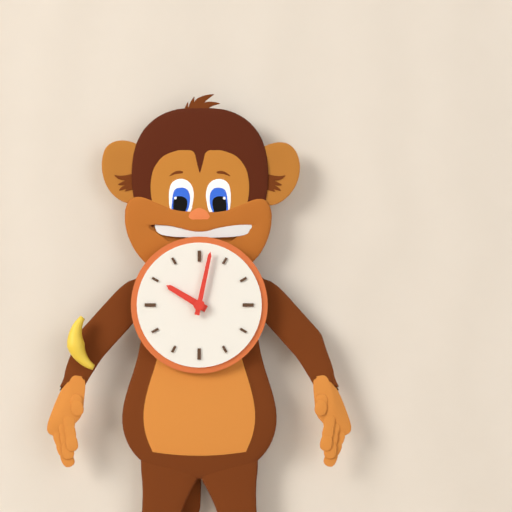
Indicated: 10,02
